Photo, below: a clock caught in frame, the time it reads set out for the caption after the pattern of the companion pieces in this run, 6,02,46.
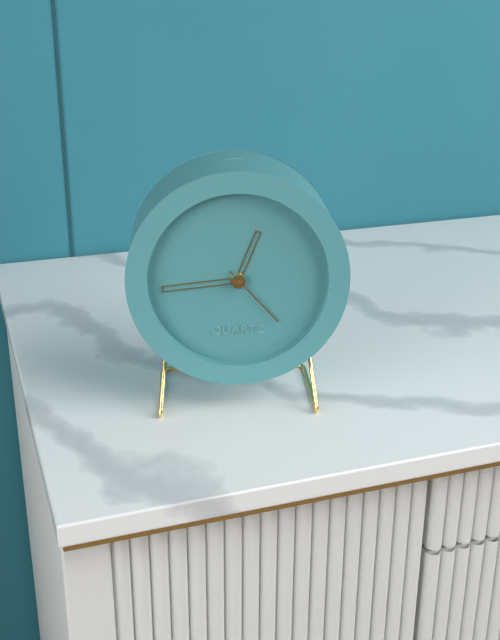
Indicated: 12,44,23
